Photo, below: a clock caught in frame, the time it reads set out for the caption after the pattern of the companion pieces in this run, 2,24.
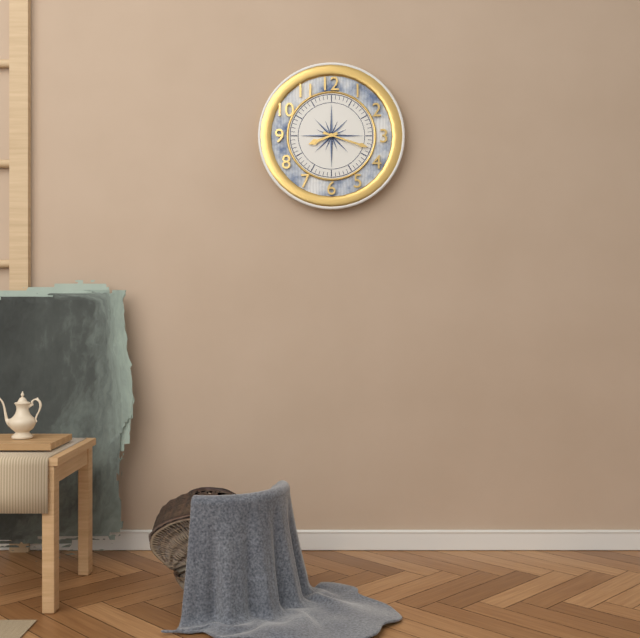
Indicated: 8,18
